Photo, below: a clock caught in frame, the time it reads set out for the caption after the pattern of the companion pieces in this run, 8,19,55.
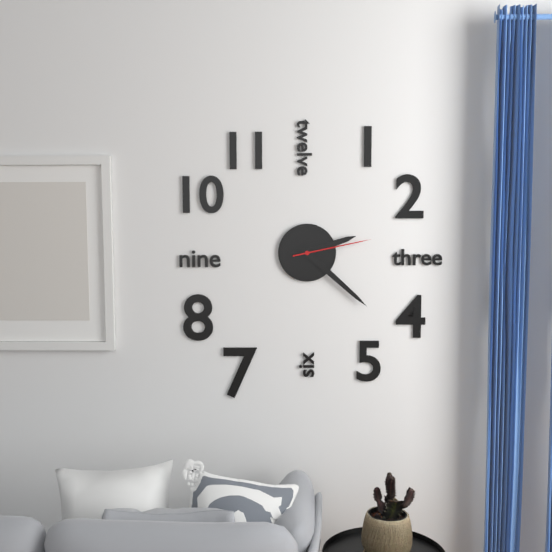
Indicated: 2,22,13
